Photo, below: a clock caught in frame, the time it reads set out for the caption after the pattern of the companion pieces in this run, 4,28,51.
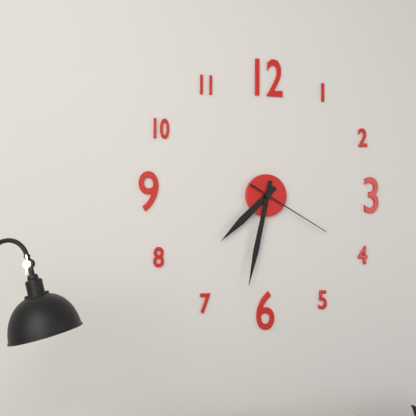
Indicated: 7,32,20
